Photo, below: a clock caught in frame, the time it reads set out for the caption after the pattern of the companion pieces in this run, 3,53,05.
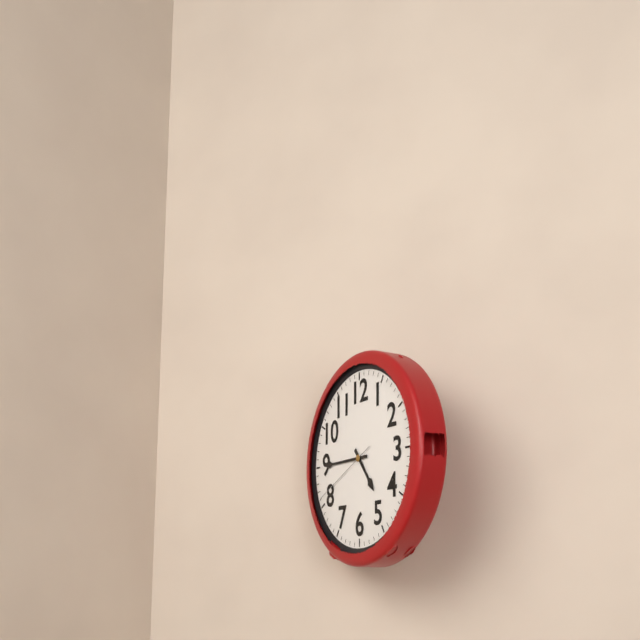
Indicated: 4,45,41
